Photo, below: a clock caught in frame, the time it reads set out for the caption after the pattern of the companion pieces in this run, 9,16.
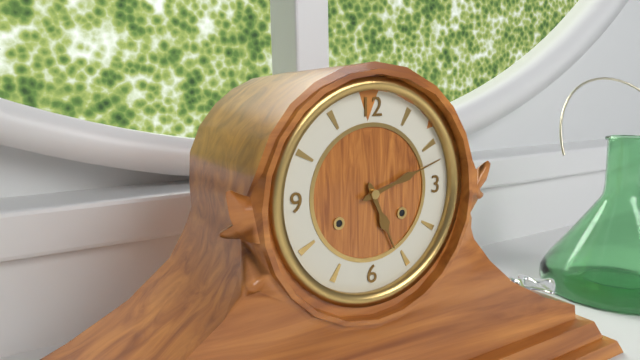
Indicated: 5,12
